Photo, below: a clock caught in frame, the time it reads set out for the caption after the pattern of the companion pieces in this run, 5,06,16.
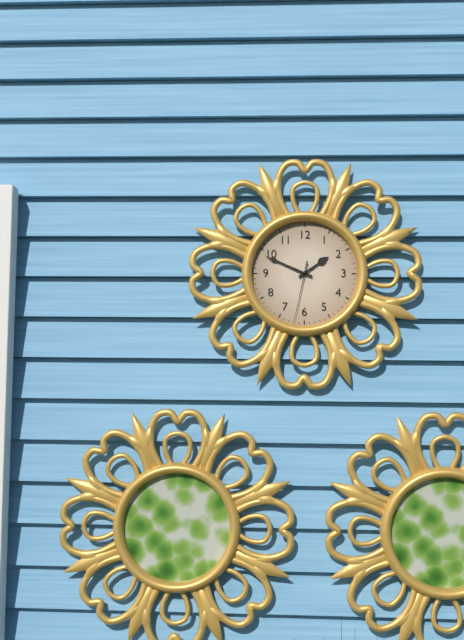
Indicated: 1,49,32
